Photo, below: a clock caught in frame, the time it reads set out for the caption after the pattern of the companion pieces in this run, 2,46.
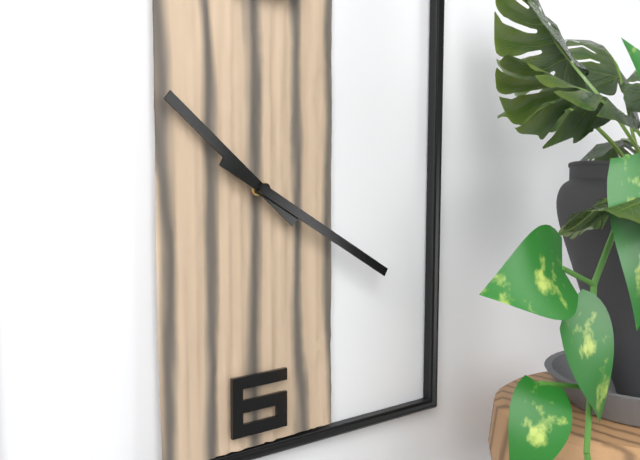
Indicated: 10,20
